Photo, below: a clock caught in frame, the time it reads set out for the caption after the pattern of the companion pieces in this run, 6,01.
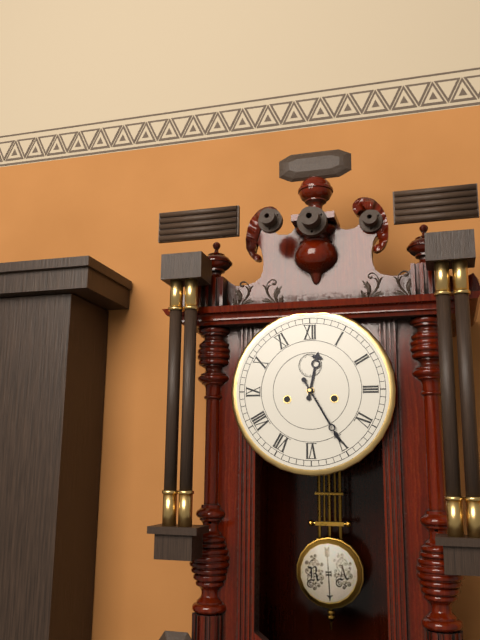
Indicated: 12,25
